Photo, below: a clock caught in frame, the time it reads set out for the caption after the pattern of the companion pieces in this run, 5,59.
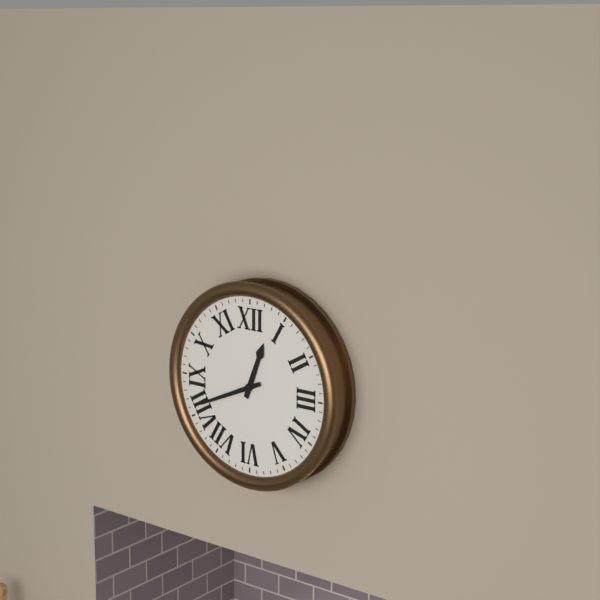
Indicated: 12,41
